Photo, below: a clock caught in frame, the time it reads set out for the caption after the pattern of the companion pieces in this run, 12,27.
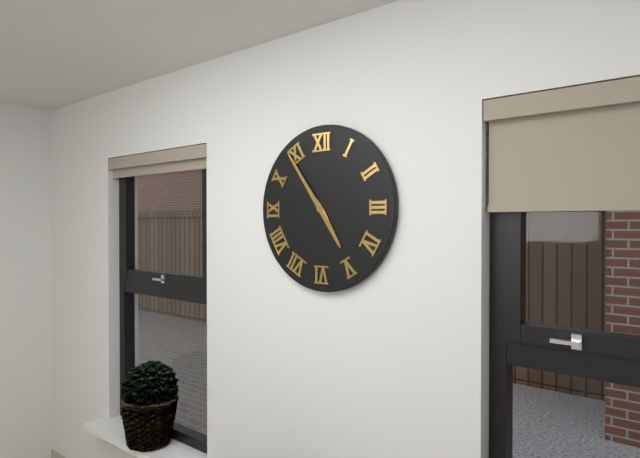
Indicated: 4,54
